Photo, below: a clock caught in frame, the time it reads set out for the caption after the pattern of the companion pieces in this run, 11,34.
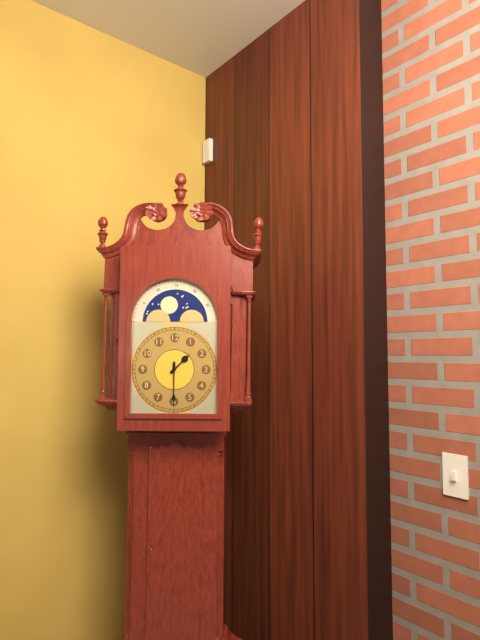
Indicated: 1,30
